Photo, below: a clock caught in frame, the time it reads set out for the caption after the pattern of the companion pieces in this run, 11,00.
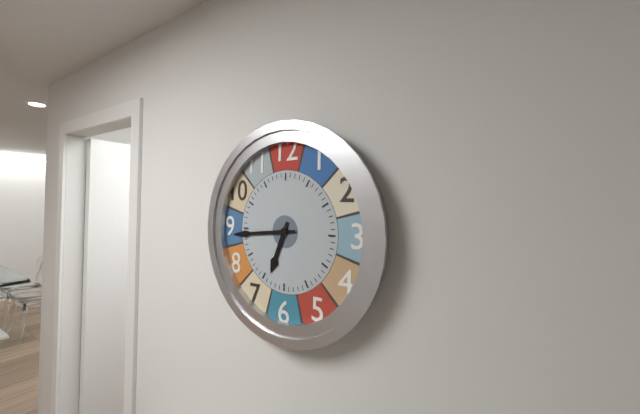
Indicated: 6,44
